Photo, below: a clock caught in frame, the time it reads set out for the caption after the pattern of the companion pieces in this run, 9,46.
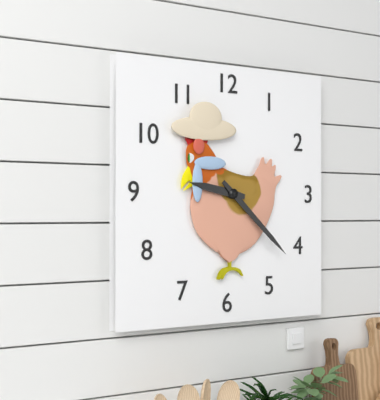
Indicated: 9,22
